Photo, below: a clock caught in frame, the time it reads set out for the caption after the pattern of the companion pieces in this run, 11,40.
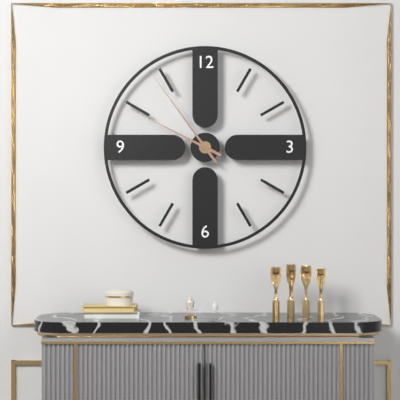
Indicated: 9,54
